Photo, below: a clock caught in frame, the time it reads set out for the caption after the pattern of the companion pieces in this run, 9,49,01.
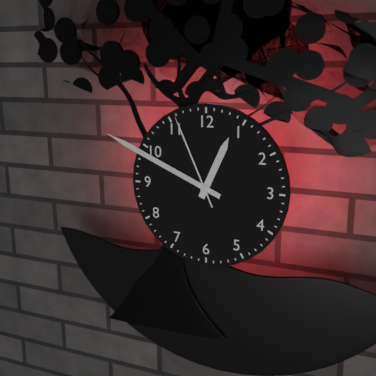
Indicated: 12,49,56
